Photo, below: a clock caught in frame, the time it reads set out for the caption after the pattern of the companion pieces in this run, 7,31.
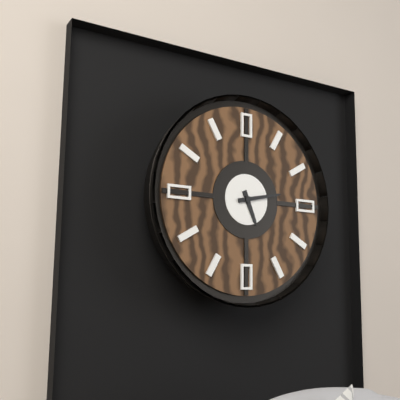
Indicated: 5,13
